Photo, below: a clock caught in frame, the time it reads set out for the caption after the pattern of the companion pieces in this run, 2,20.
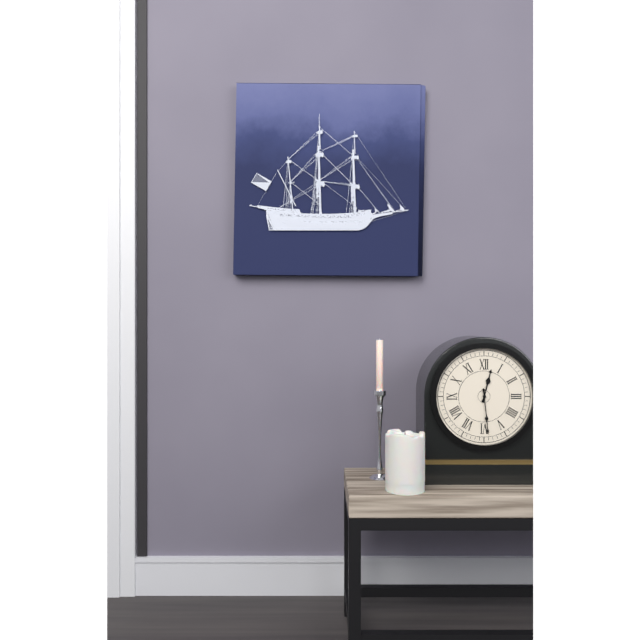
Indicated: 12,29
